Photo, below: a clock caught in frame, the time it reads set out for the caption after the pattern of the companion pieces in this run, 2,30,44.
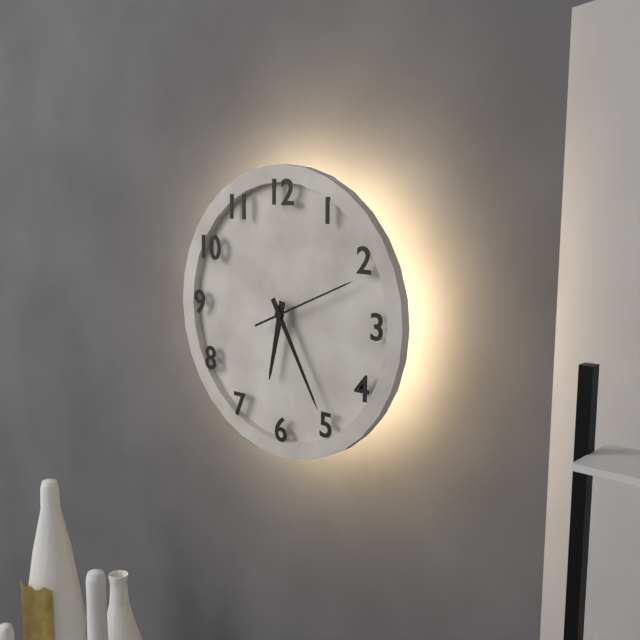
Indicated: 6,25,11
